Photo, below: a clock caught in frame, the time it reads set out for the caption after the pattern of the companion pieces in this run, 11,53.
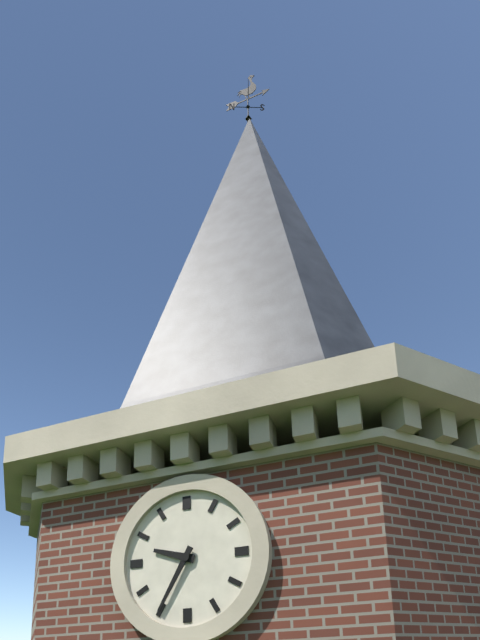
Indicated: 9,35
